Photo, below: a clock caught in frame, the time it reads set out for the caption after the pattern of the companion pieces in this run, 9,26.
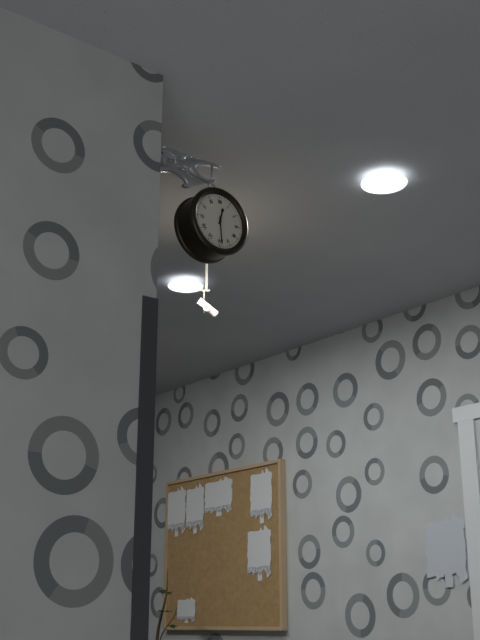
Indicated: 12,29
